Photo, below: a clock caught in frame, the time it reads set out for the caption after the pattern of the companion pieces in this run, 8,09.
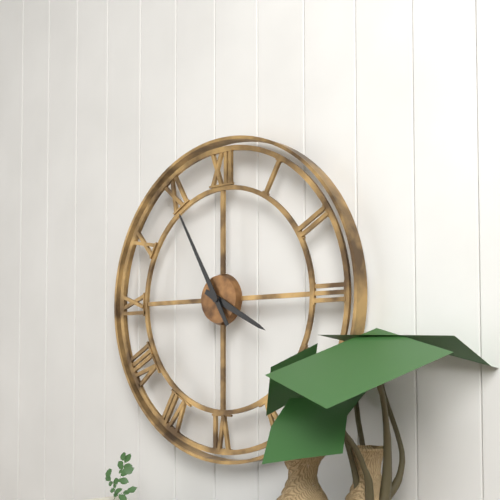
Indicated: 3,55
